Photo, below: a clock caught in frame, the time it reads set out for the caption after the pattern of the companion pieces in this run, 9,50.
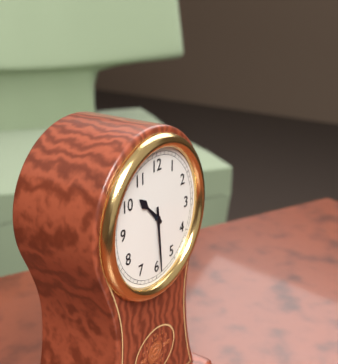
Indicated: 10,29
